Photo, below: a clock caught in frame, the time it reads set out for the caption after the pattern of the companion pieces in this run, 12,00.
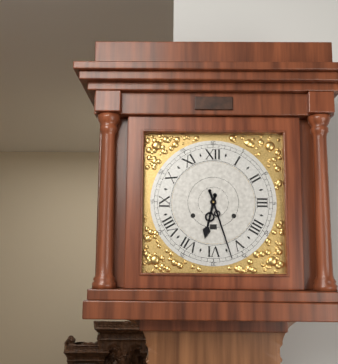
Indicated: 6,27
